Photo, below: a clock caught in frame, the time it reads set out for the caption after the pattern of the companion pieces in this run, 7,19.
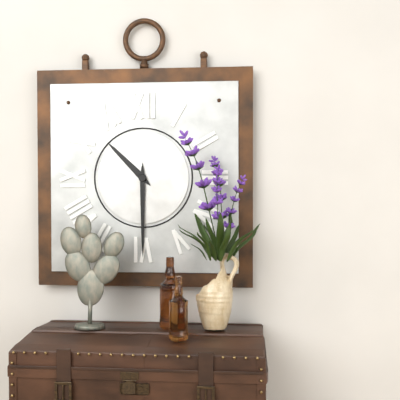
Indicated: 10,30
